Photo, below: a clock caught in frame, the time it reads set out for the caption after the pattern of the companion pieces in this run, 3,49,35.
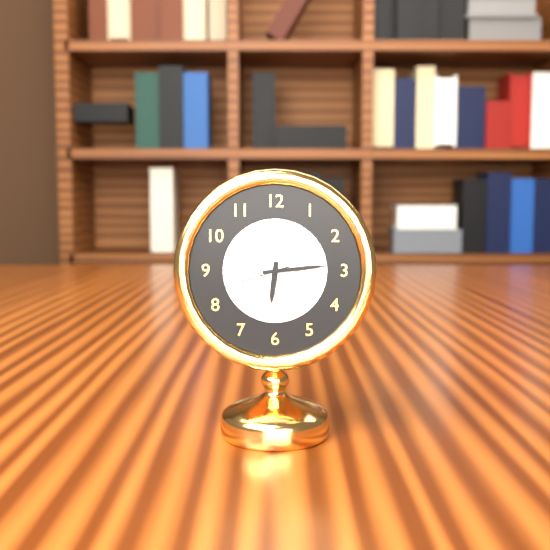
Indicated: 6,14,42
